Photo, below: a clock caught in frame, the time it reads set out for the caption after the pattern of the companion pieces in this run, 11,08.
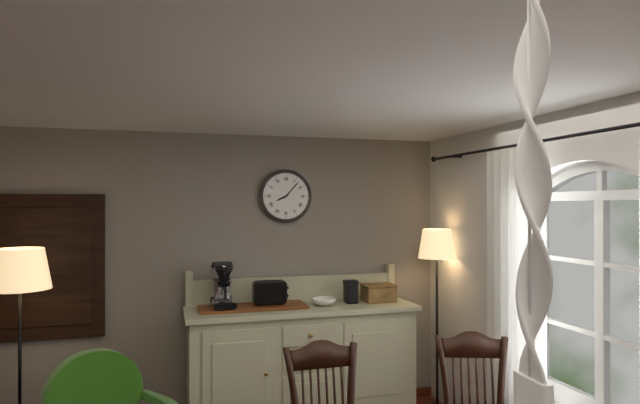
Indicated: 8,07
